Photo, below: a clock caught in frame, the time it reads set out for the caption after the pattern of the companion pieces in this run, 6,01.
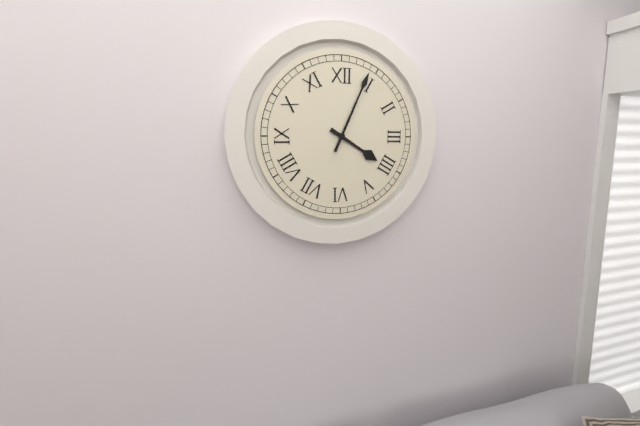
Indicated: 4,04
